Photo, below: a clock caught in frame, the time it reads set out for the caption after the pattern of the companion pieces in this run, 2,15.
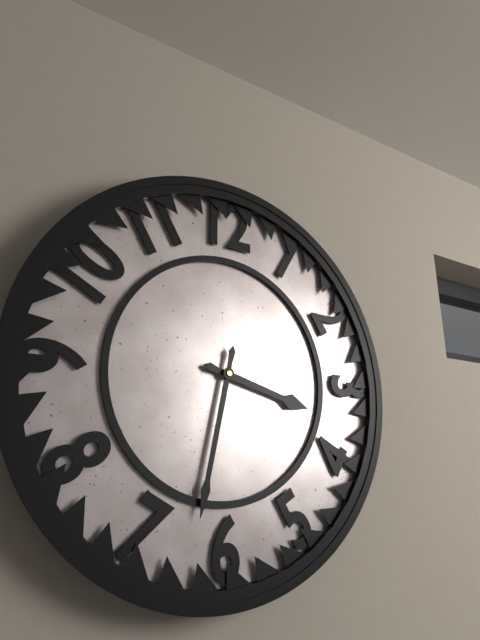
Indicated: 3,32
